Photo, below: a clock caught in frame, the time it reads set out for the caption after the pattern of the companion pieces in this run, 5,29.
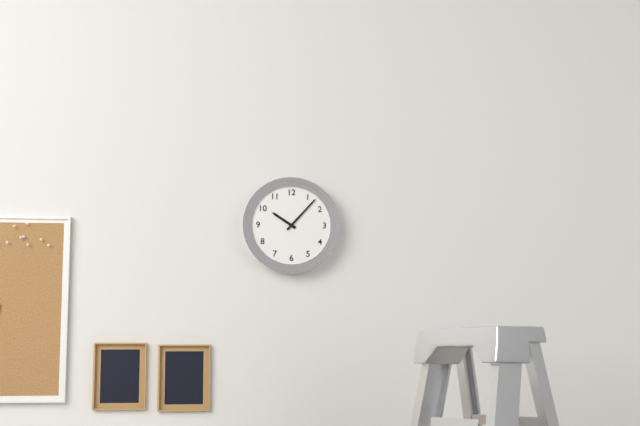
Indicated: 10,07
